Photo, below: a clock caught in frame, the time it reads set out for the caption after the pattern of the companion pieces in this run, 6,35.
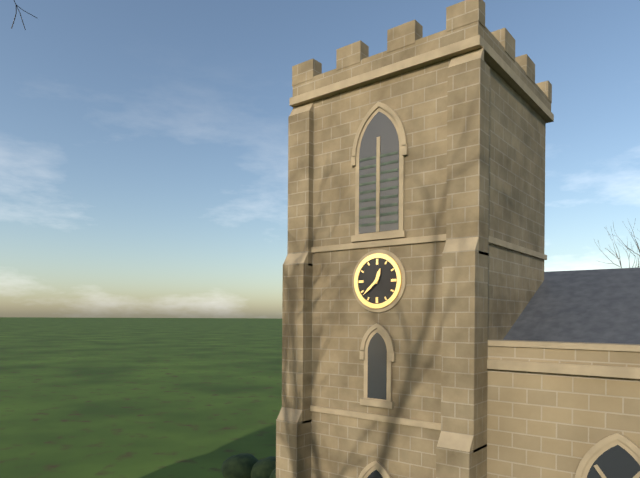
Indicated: 12,38
